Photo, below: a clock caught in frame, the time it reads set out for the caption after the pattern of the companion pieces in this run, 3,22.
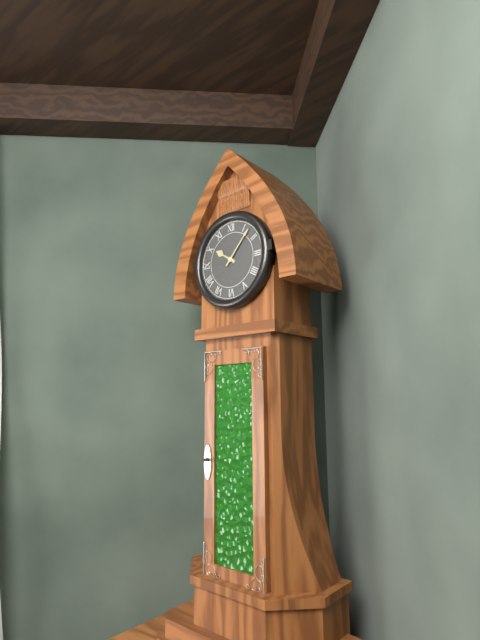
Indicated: 10,07
